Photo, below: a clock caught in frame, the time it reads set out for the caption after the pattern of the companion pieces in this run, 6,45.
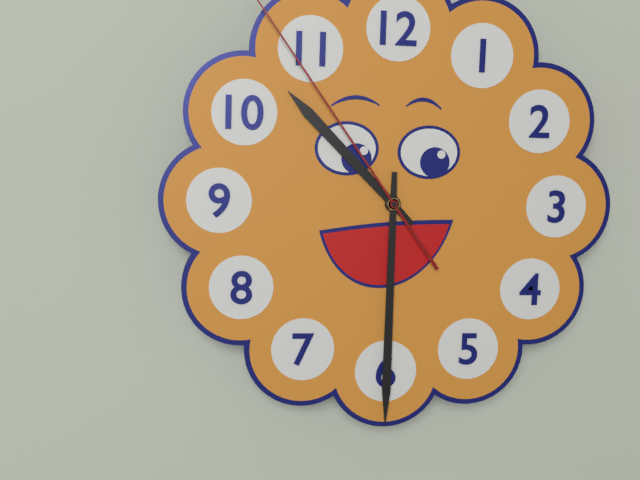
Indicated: 10,30
